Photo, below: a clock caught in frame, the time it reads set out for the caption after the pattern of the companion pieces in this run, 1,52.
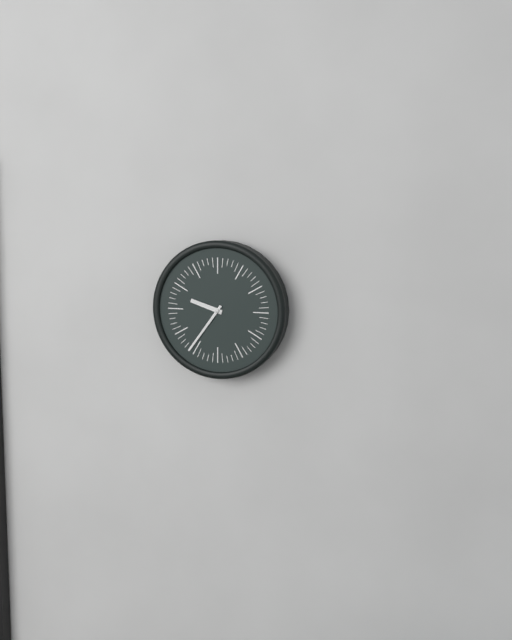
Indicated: 9,36
